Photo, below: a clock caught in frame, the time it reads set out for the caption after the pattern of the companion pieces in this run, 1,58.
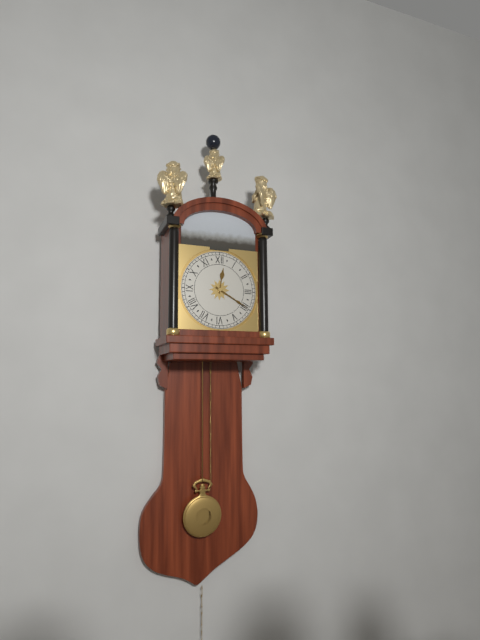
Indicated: 12,20
